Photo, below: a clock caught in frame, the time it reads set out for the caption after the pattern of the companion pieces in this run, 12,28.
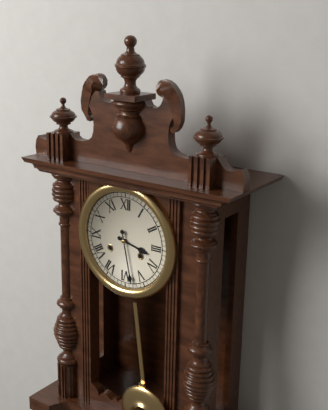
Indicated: 3,28
